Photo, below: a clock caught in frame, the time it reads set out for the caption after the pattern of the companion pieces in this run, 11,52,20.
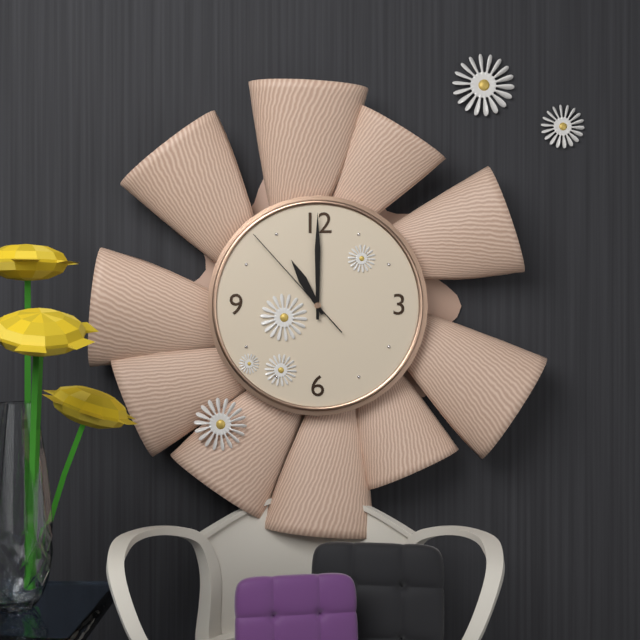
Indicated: 11,00,53
